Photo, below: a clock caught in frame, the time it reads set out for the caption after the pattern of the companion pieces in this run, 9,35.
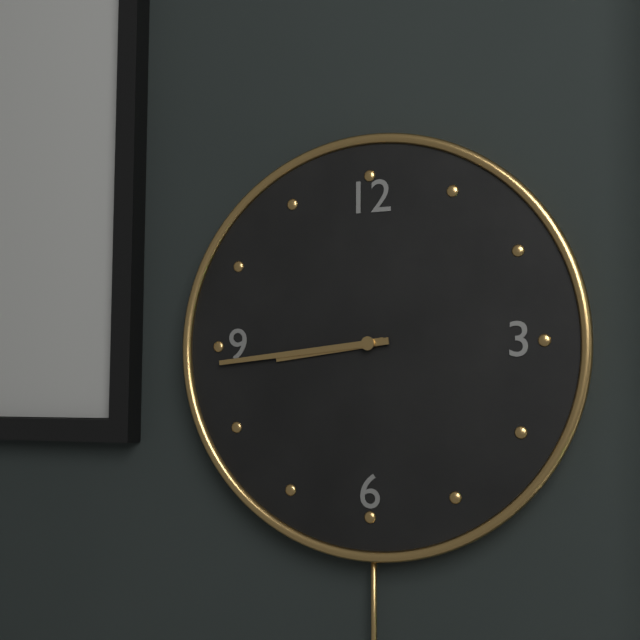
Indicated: 8,44
